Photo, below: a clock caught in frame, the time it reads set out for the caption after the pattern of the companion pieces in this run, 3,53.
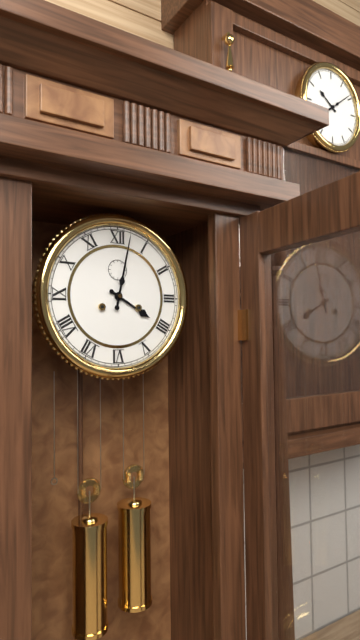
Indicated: 4,02
